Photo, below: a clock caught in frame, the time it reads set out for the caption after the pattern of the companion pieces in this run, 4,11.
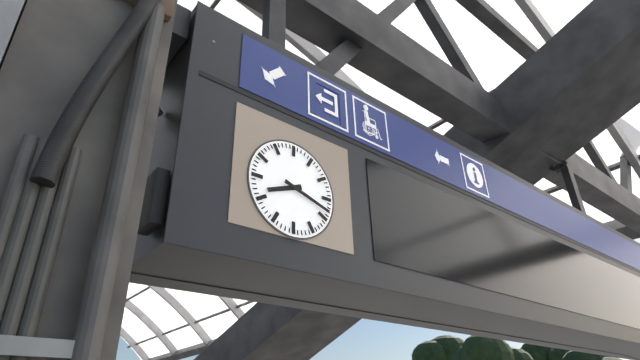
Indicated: 8,18
